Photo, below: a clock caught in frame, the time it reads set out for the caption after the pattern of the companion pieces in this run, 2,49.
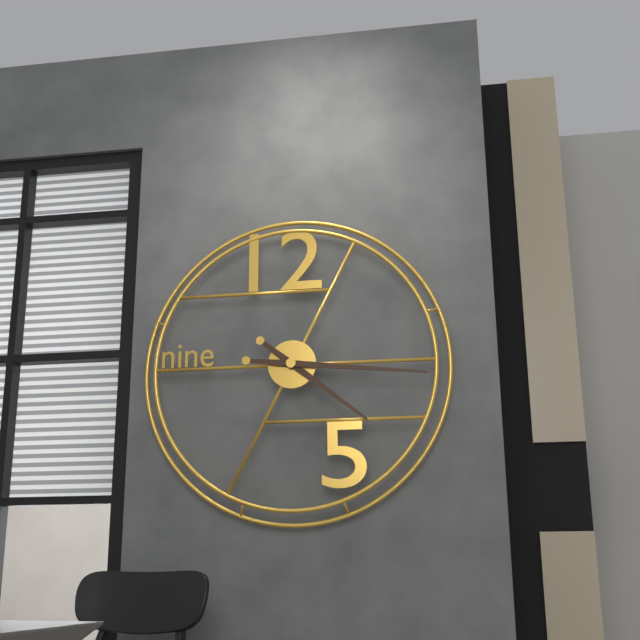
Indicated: 4,16
